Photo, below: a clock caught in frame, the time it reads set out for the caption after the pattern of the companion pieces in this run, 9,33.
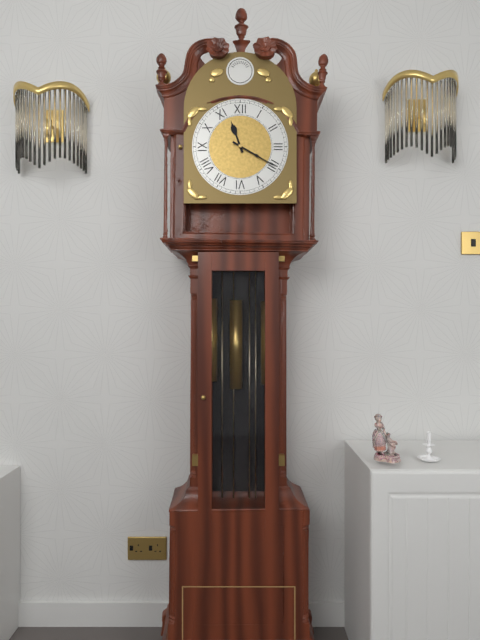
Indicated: 11,20
